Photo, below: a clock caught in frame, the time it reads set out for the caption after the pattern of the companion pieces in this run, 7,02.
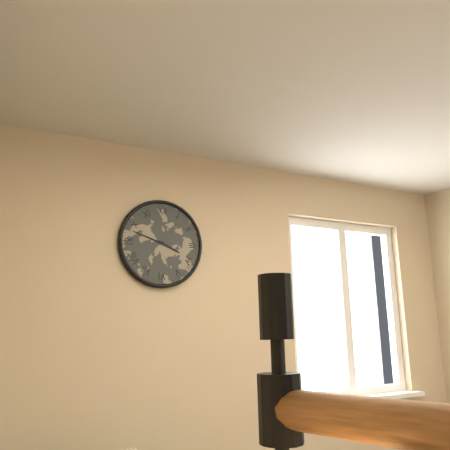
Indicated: 3,48
